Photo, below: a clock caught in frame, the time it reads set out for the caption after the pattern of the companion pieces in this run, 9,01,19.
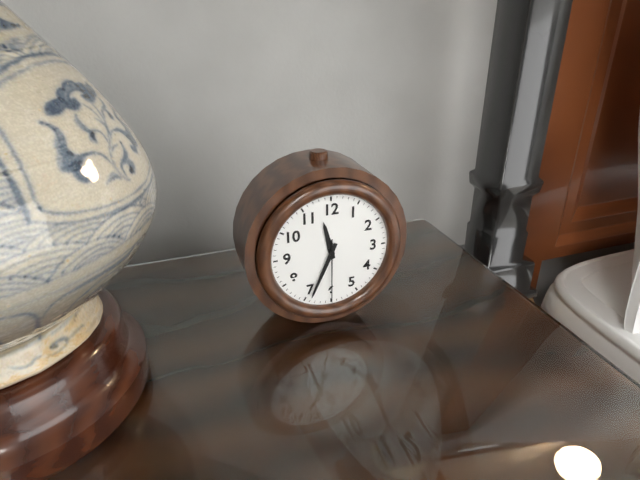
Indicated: 11,34,30
